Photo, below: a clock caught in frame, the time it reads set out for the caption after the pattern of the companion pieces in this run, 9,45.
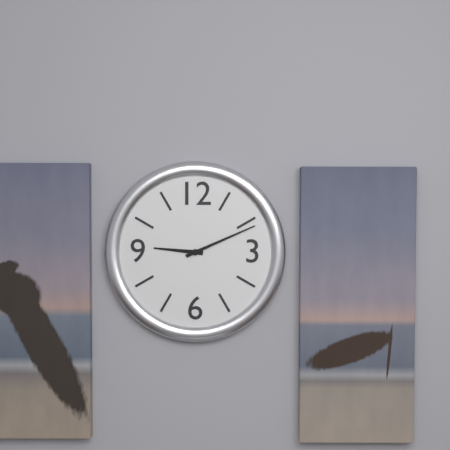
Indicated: 9,11
